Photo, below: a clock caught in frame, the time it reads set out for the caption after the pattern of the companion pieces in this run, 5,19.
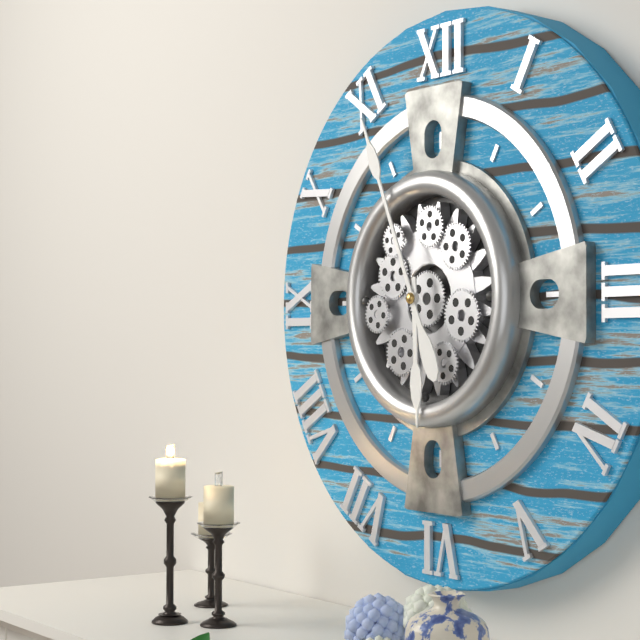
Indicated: 5,56
